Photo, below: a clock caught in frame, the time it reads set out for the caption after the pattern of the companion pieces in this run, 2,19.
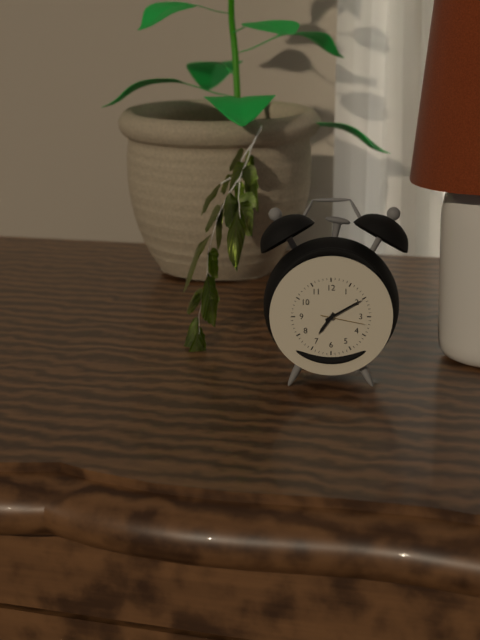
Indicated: 7,10
